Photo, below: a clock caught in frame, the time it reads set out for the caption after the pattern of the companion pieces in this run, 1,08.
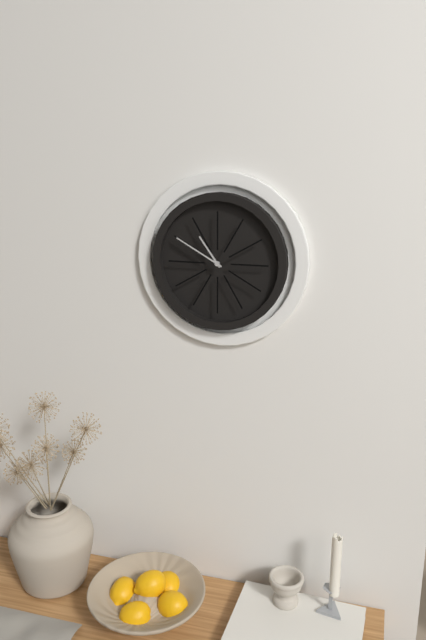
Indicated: 10,50
